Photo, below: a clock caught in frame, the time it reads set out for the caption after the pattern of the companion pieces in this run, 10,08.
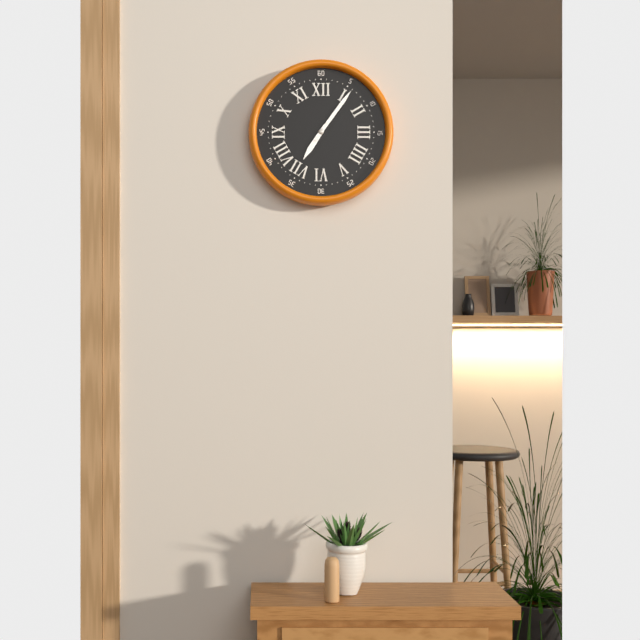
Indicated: 7,06
